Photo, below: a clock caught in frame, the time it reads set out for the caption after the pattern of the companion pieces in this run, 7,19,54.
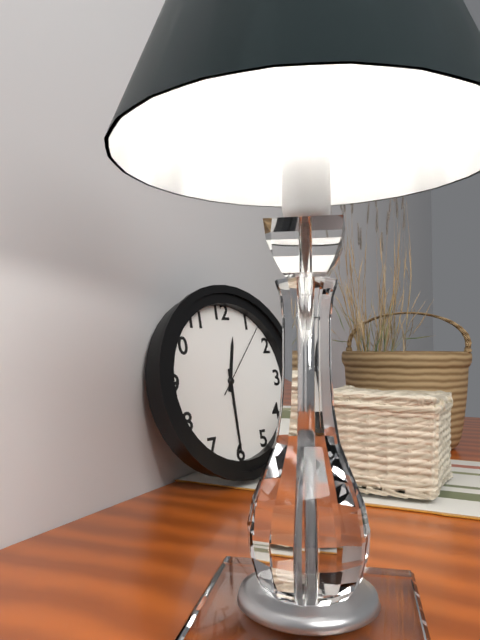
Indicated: 12,30,07
